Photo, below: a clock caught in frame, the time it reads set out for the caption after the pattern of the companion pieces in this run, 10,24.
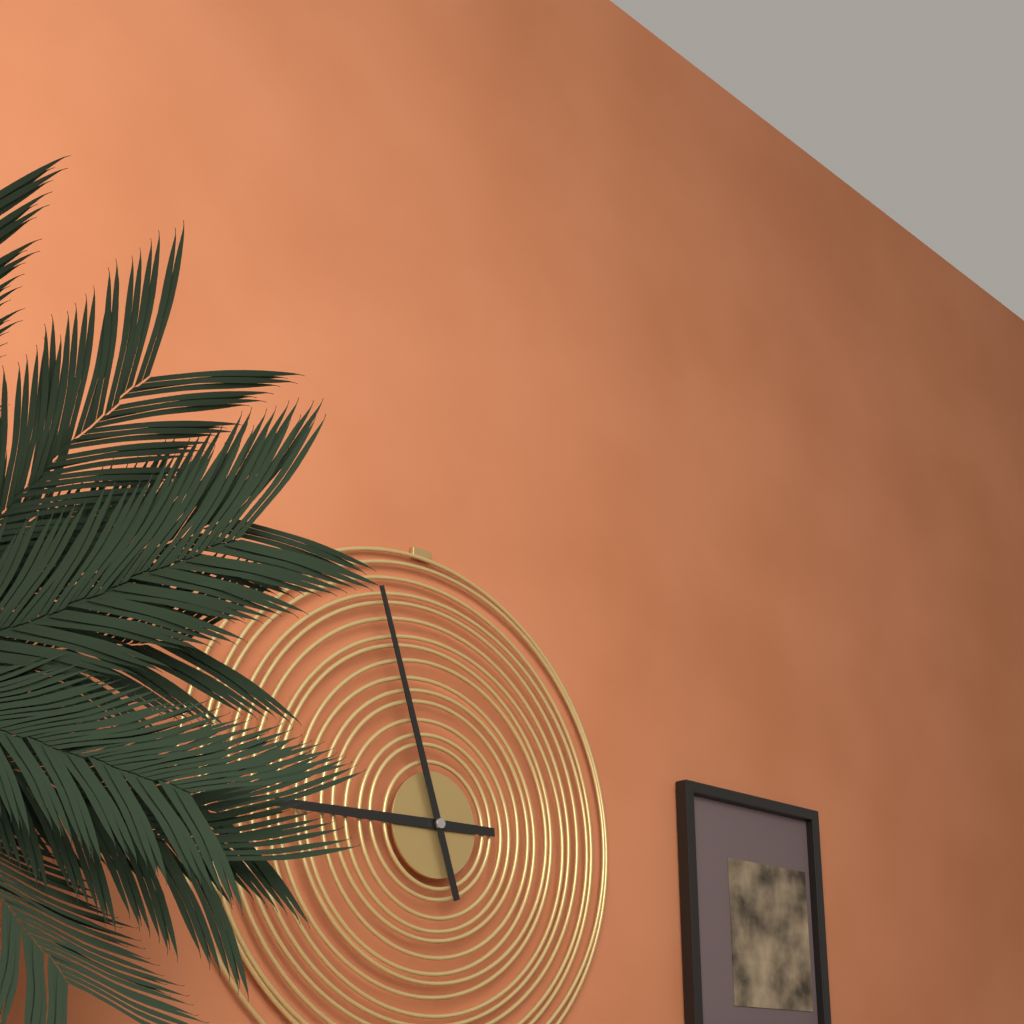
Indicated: 8,57
